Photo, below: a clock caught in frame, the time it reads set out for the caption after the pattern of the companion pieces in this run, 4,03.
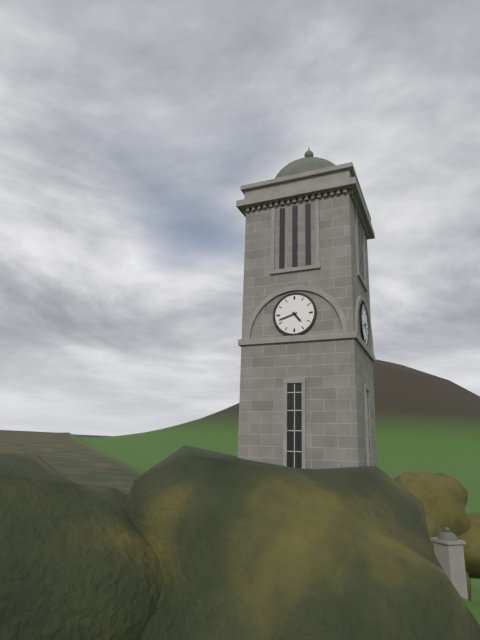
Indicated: 4,42
